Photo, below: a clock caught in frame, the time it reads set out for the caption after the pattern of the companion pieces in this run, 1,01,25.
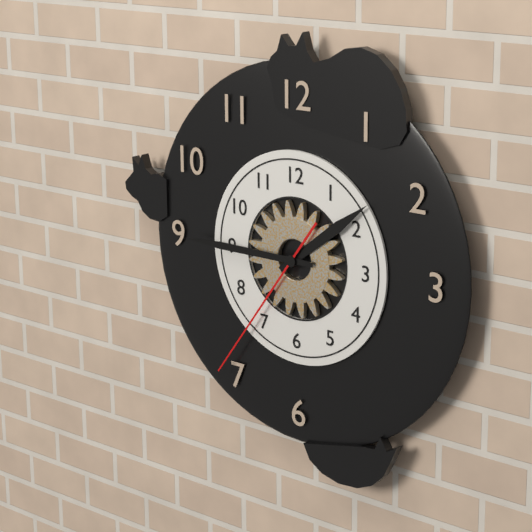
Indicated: 1,45,36
